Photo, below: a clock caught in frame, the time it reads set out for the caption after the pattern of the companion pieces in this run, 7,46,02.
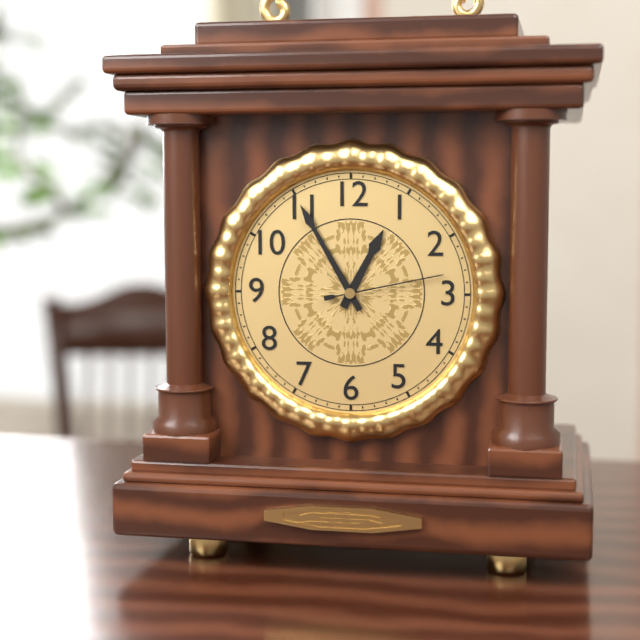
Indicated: 12,55,13
